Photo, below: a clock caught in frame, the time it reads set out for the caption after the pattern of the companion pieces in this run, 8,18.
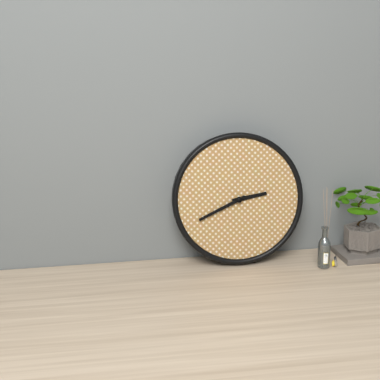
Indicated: 2,41
